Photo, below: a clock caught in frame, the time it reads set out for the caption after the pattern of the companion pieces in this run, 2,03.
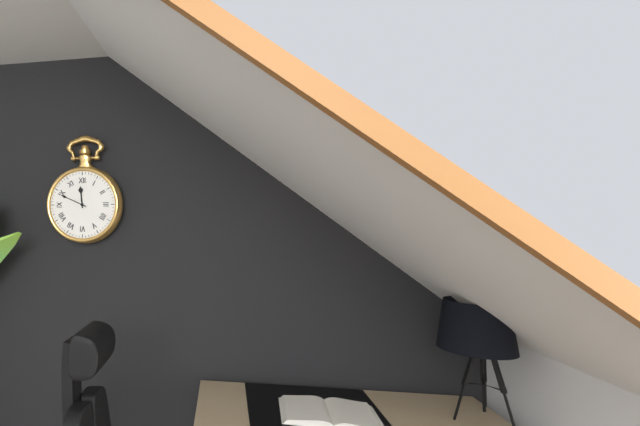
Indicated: 11,49
